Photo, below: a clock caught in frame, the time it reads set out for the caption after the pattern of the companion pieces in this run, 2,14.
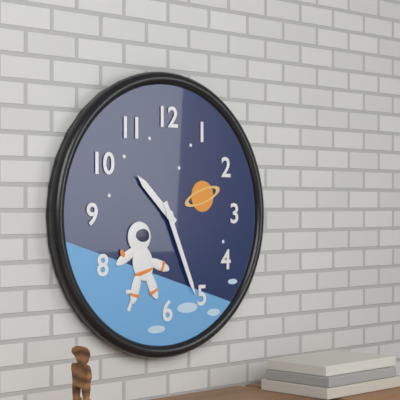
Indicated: 10,26
